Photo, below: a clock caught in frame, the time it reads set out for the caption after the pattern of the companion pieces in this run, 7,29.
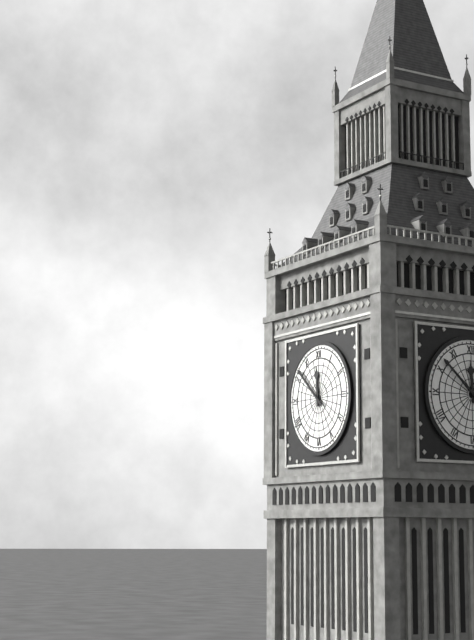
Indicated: 11,52
